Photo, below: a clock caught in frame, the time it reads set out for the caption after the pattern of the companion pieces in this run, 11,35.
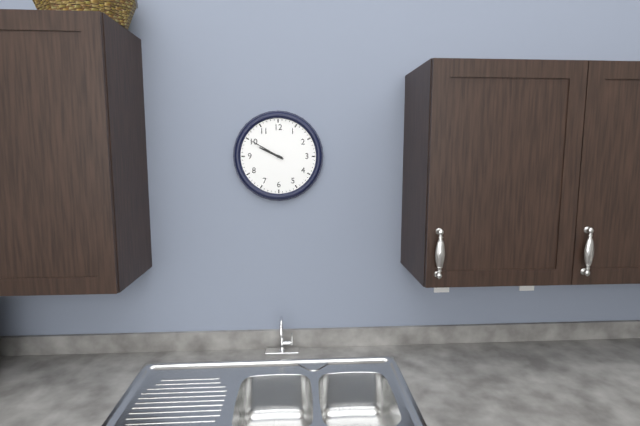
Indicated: 9,50
